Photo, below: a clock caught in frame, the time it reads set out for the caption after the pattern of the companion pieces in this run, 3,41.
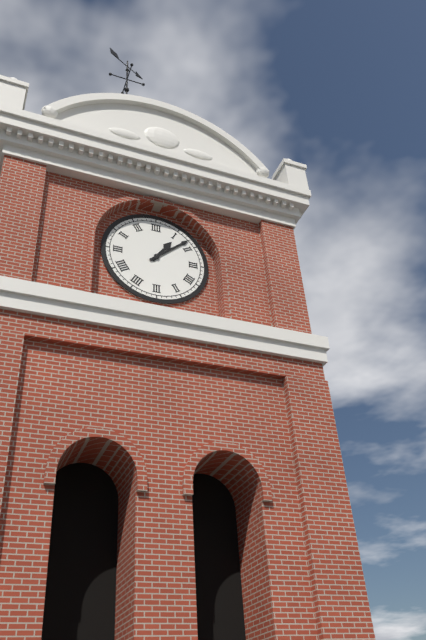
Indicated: 1,08
